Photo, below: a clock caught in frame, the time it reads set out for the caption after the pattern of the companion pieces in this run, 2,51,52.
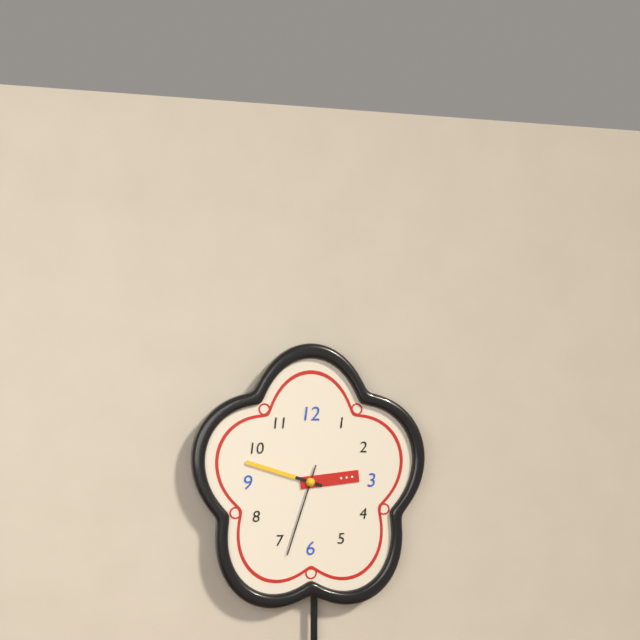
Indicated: 2,48,33
